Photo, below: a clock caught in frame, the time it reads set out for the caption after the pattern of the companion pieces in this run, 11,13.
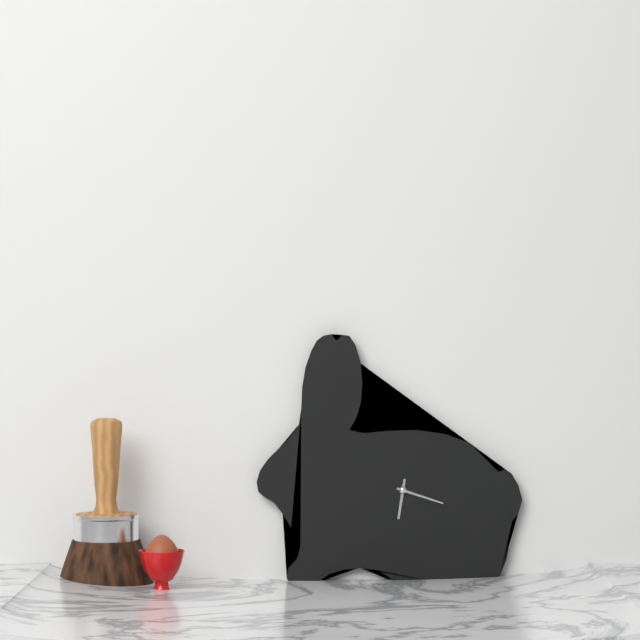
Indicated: 6,18
